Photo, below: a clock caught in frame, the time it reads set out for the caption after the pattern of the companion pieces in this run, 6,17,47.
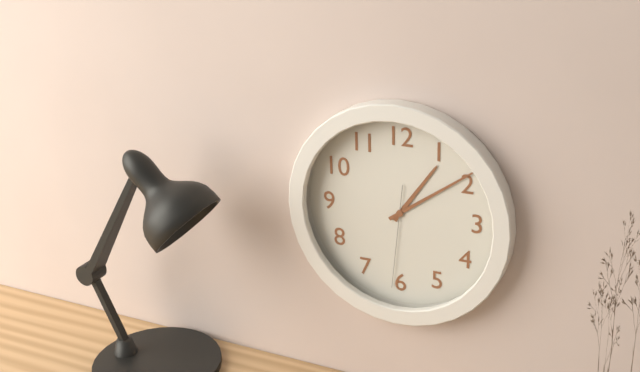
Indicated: 1,09,31
